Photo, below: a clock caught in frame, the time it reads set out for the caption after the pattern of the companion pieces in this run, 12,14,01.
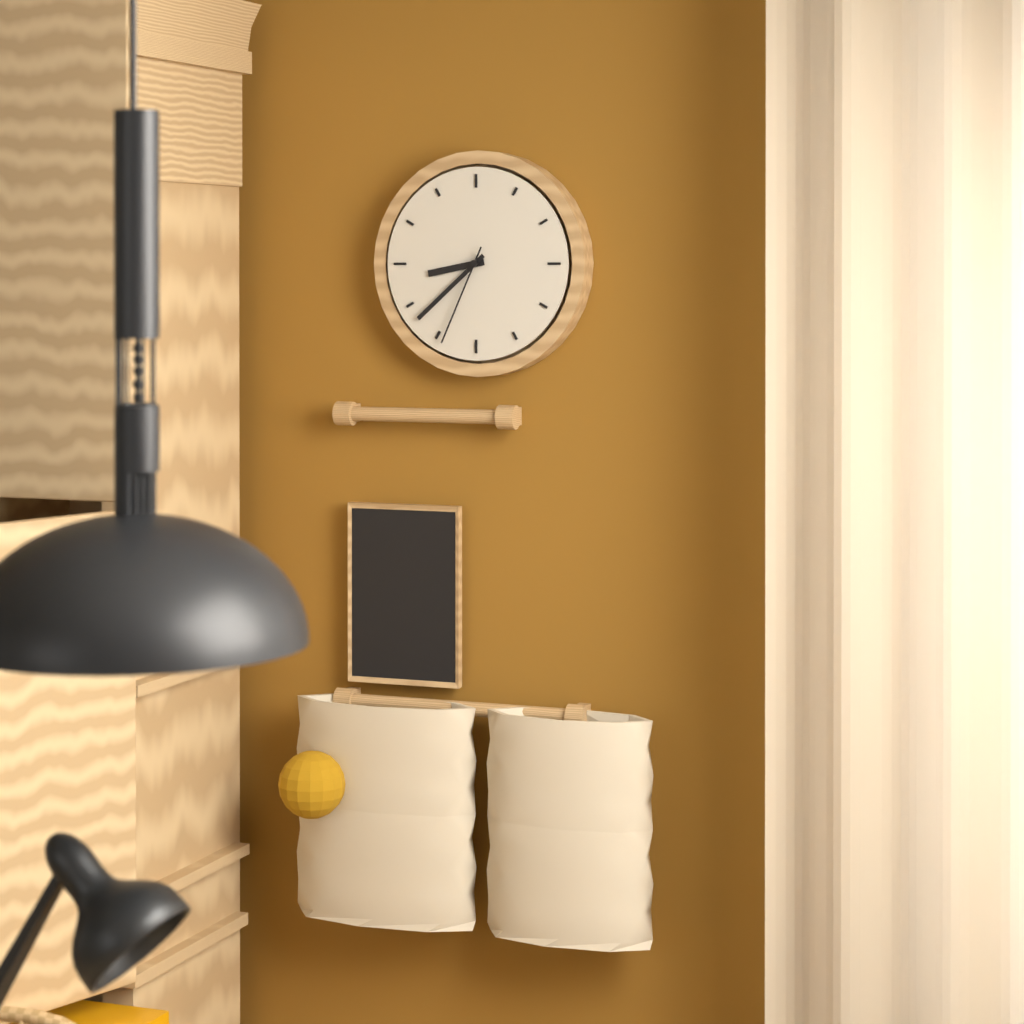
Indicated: 8,38,34
